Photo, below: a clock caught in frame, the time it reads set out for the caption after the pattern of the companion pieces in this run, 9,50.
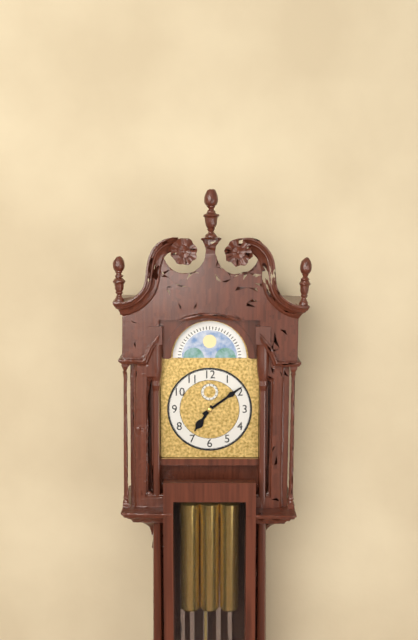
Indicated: 7,09
